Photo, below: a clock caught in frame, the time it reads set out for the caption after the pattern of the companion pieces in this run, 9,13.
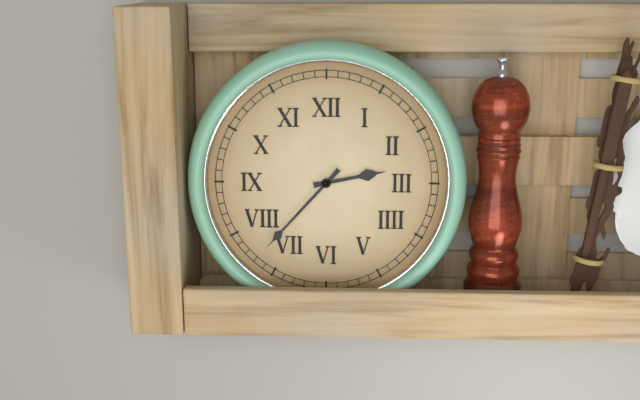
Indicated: 2,37
